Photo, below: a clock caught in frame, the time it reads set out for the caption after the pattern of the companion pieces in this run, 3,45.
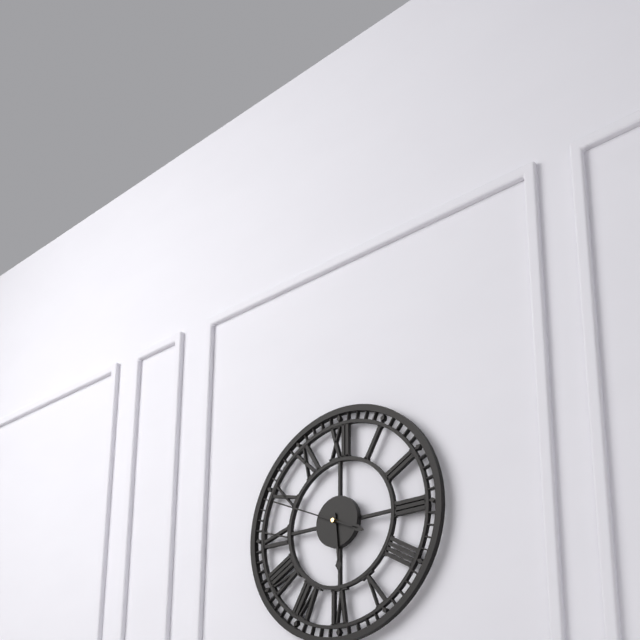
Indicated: 5,49
